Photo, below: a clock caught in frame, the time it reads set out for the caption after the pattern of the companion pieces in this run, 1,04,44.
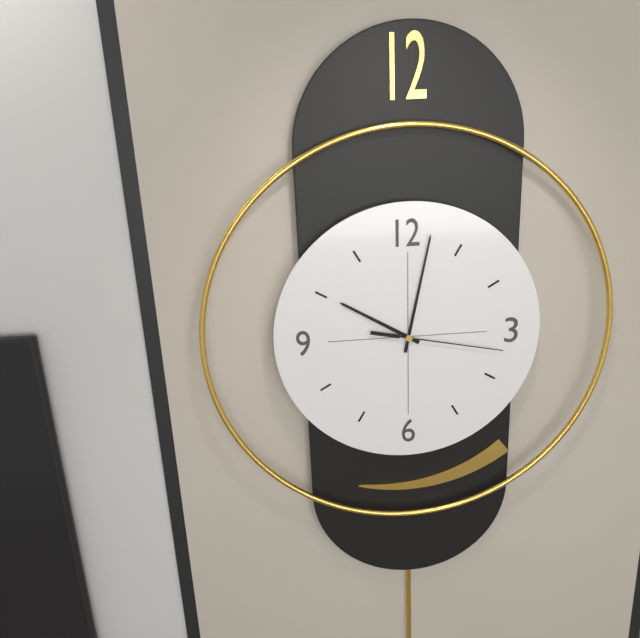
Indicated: 10,02,17
